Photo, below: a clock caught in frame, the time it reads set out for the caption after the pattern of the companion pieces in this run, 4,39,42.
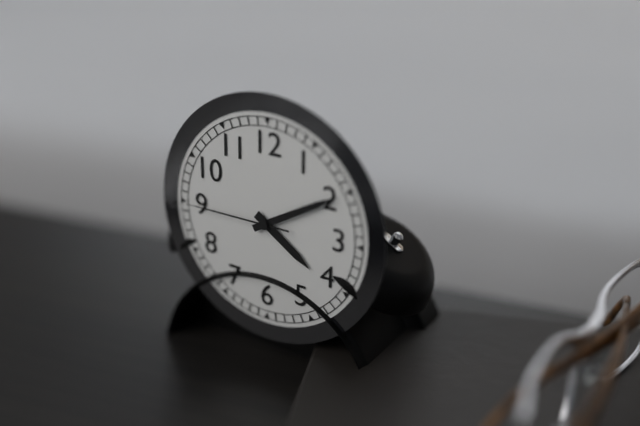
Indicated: 4,10,45
